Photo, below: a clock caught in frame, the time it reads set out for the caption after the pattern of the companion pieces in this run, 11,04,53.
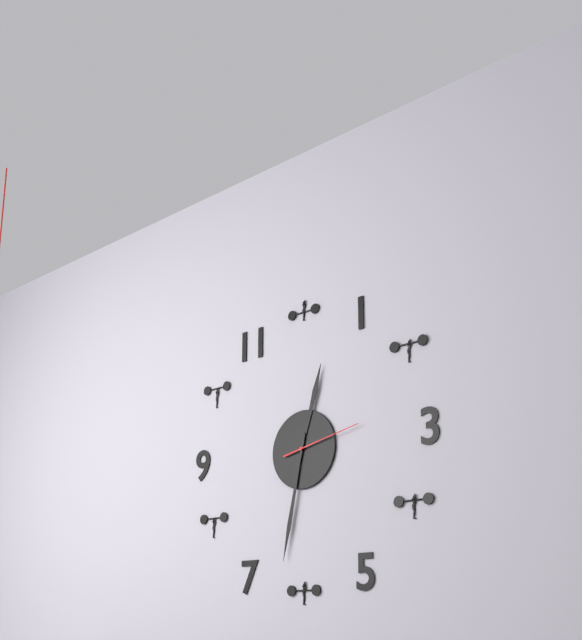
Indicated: 12,32,13
